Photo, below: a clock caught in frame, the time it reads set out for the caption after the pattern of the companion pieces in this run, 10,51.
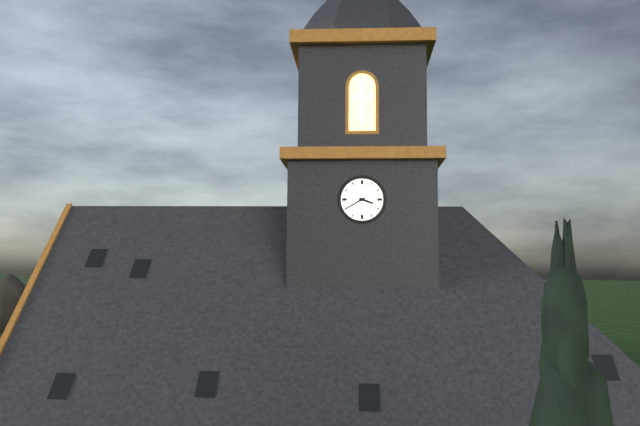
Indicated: 3,40
